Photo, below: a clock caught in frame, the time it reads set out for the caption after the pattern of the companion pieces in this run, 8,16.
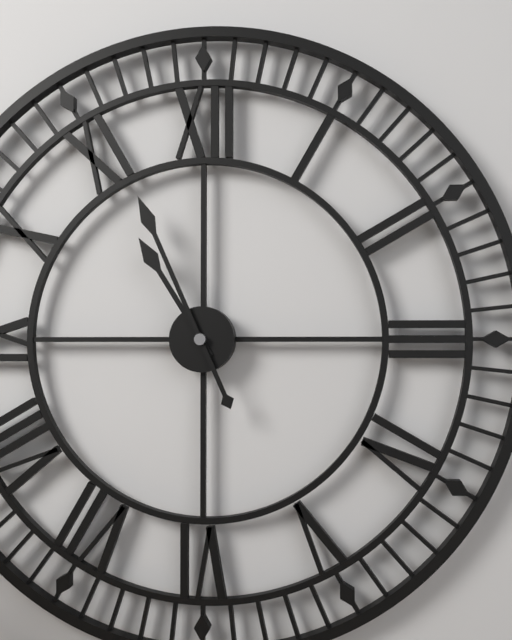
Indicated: 10,56
